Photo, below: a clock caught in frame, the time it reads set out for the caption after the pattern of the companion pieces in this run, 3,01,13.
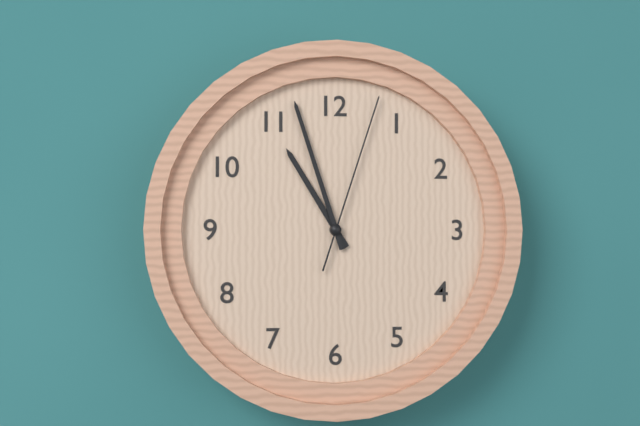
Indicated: 10,57,03
